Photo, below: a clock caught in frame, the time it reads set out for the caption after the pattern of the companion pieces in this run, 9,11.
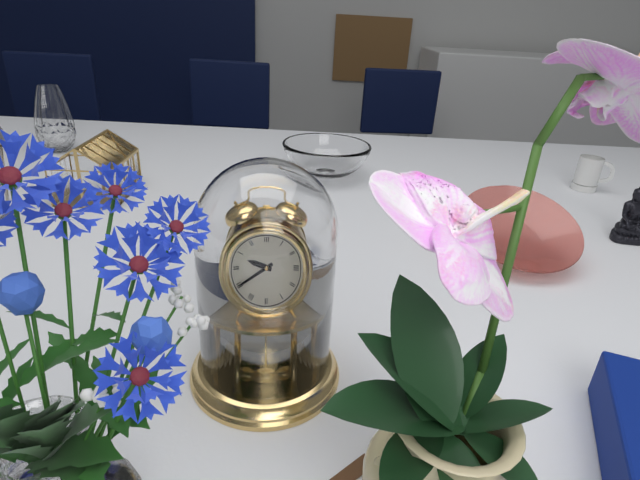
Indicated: 9,40
